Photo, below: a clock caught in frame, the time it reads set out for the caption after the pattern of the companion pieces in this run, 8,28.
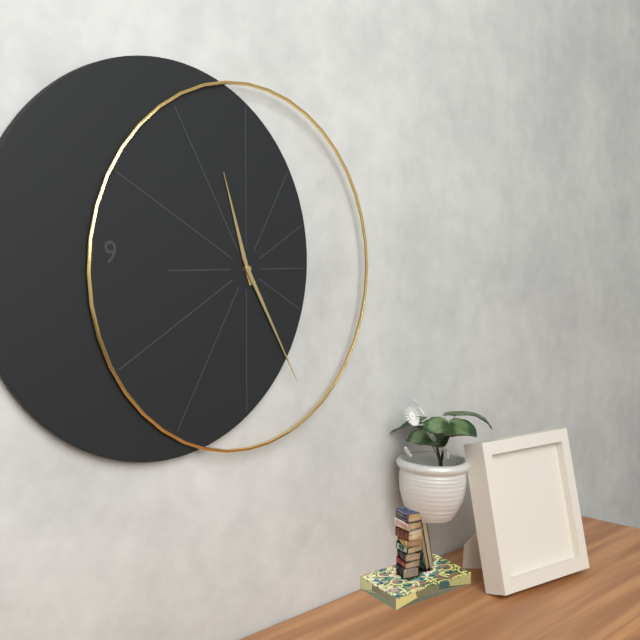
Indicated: 11,25
